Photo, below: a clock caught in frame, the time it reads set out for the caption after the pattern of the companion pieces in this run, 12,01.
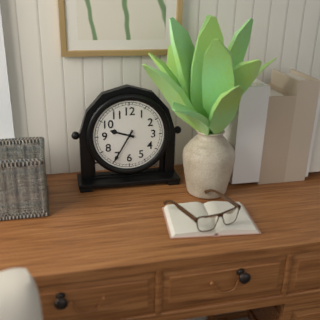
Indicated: 9,35
